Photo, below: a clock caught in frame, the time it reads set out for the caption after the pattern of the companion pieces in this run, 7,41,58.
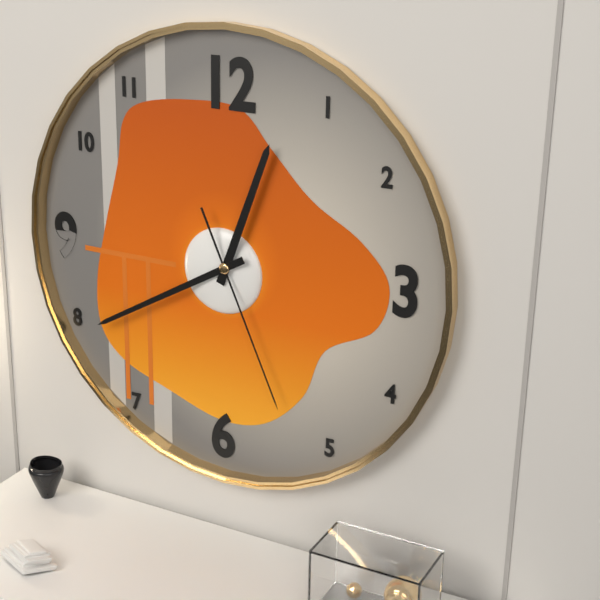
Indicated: 12,40,26
